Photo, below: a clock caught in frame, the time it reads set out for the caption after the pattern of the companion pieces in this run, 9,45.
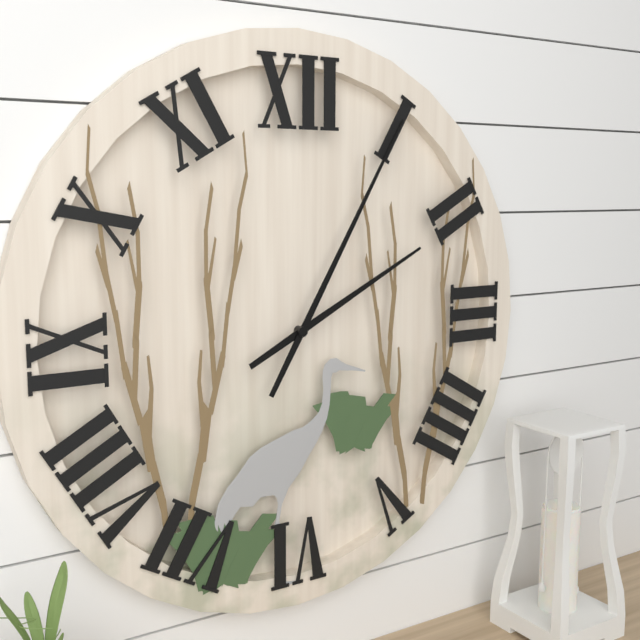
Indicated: 2,05
